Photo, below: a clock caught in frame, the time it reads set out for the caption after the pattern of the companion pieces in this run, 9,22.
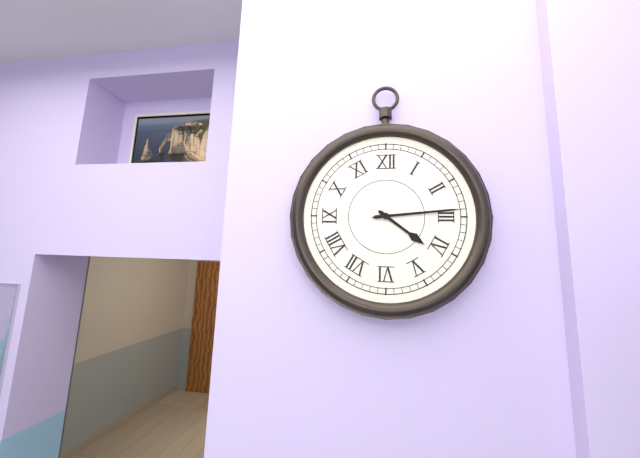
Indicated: 4,14
